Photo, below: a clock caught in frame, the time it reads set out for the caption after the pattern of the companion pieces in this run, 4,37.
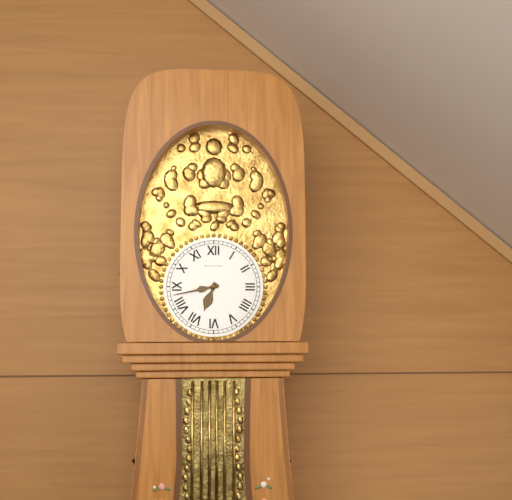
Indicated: 6,43
